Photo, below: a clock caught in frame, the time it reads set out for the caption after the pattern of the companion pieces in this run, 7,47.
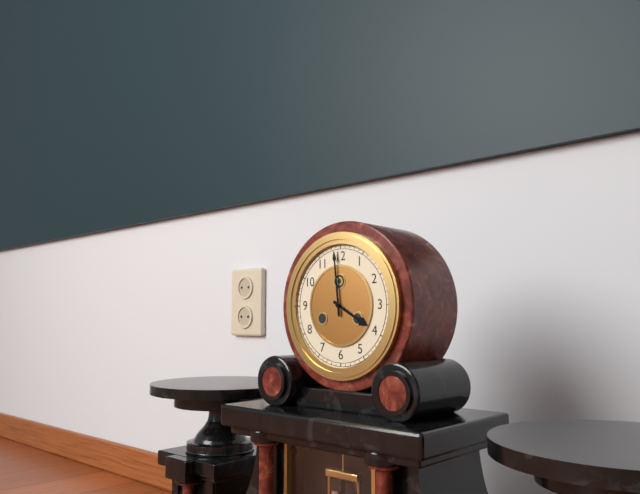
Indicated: 3,59
